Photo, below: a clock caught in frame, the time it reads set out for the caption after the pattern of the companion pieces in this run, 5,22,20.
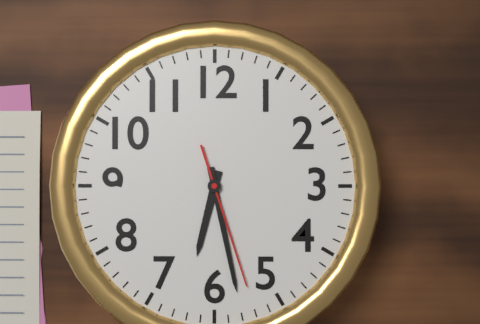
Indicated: 6,28,27
